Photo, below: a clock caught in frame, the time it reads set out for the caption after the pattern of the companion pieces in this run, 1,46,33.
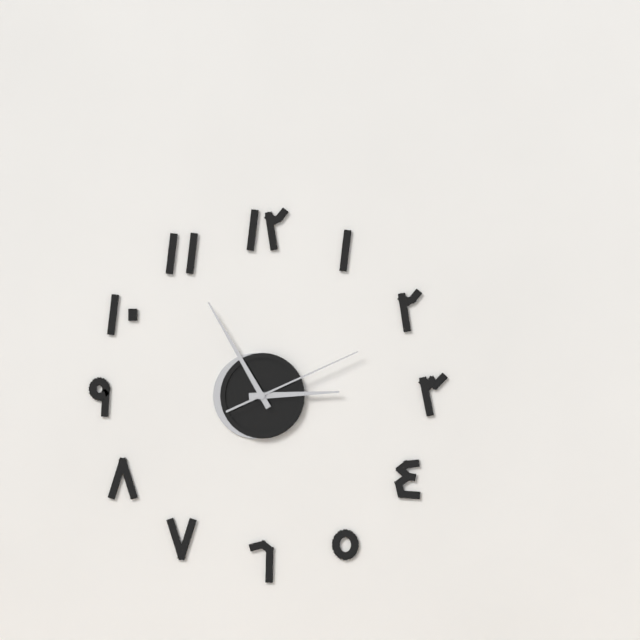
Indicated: 2,55,11
